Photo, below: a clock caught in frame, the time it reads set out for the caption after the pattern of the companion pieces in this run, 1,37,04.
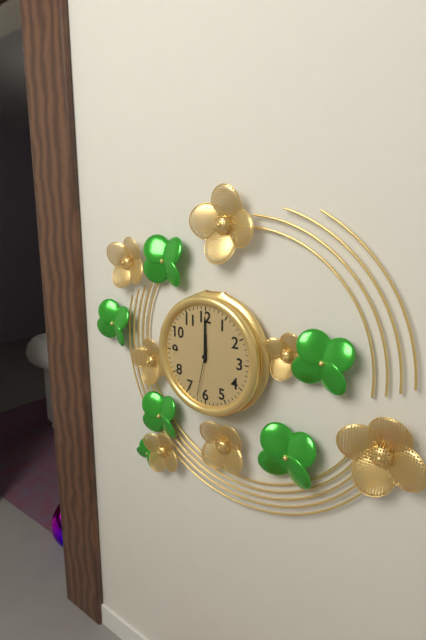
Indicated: 12,00,32
